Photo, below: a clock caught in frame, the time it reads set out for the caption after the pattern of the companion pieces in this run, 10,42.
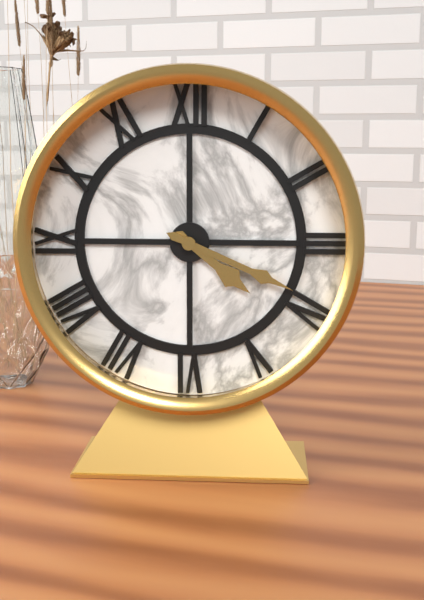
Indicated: 4,19
